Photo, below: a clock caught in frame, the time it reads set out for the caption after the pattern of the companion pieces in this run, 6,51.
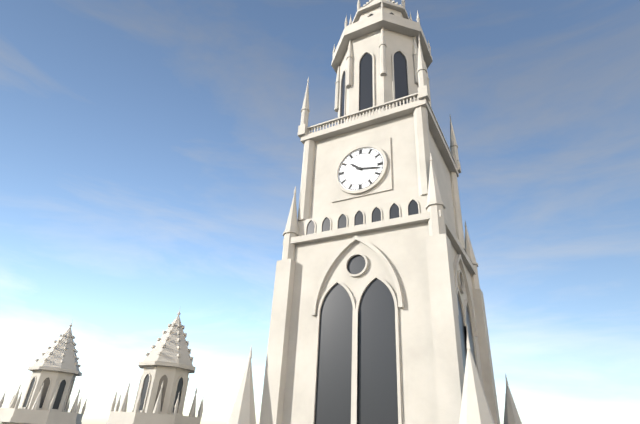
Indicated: 10,17
